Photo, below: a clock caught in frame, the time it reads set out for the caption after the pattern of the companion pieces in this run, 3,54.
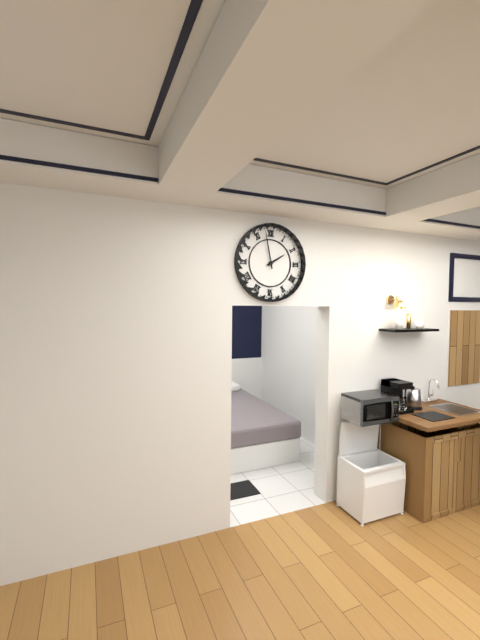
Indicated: 1,58
